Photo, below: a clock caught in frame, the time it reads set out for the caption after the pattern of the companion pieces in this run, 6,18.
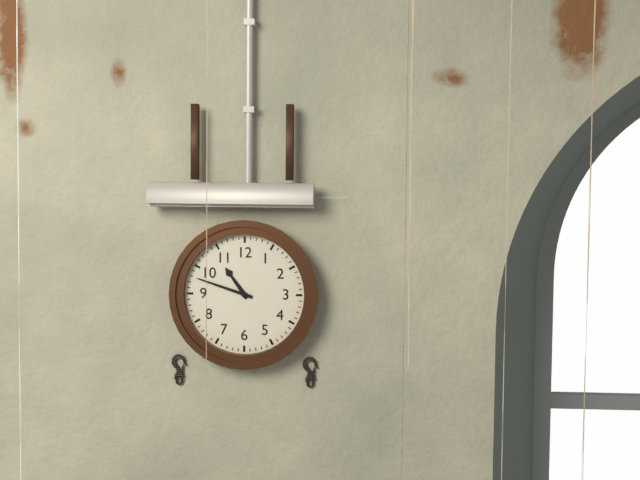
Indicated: 10,48
